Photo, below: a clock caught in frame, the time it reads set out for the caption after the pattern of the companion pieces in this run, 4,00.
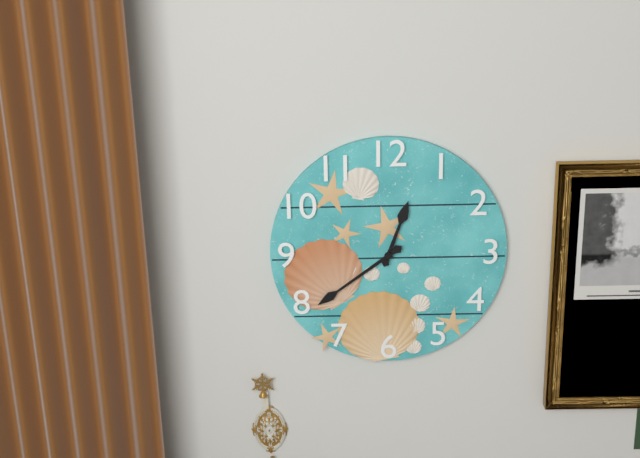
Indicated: 12,39
